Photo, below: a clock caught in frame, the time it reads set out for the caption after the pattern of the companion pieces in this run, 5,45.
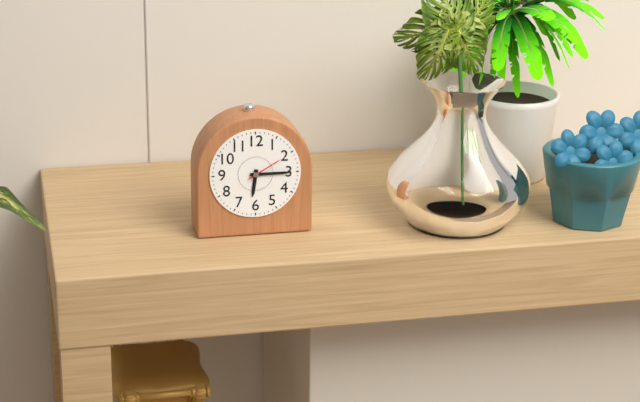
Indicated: 6,15
